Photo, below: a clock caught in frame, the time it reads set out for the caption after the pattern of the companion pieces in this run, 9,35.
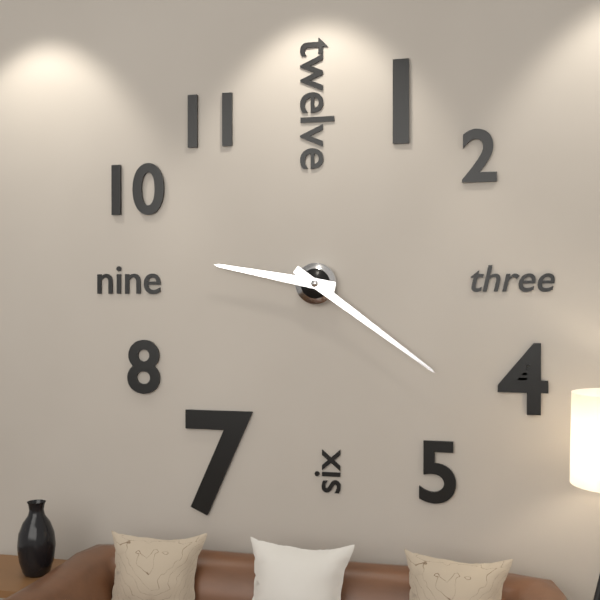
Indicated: 9,21
